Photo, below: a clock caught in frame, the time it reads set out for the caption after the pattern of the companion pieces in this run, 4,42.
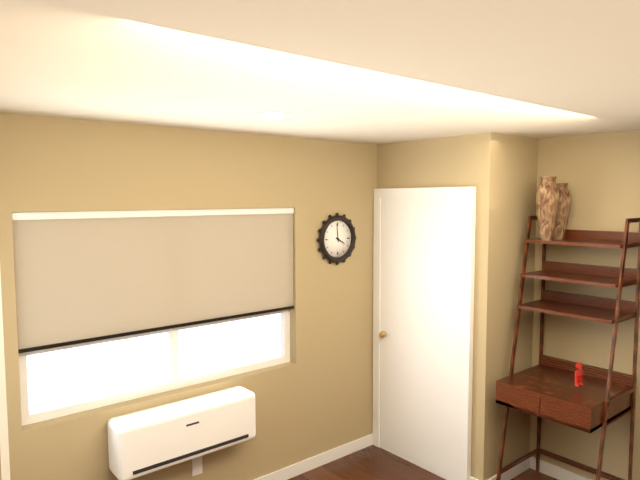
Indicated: 3,59
